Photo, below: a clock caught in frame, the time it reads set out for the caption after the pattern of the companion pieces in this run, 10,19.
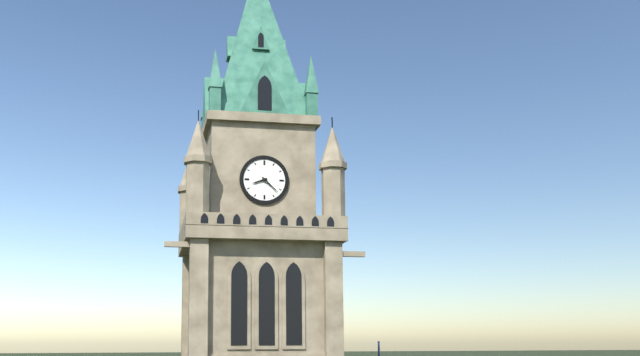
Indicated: 8,22
